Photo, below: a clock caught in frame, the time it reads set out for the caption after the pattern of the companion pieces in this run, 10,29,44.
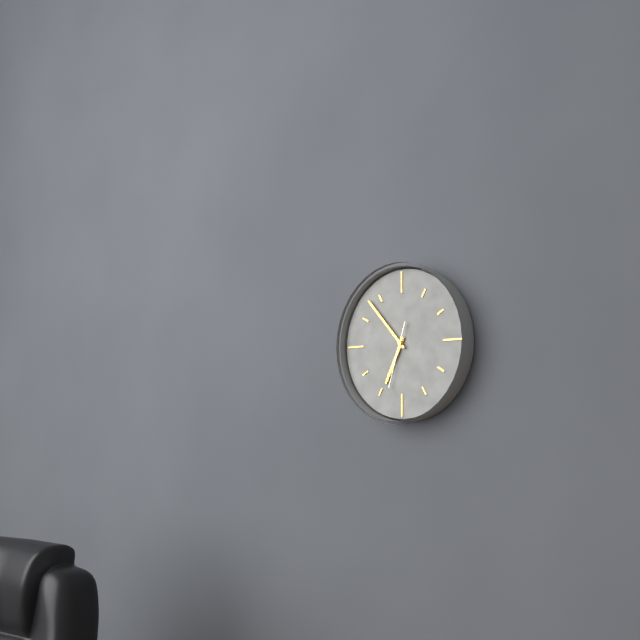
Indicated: 6,53,33
